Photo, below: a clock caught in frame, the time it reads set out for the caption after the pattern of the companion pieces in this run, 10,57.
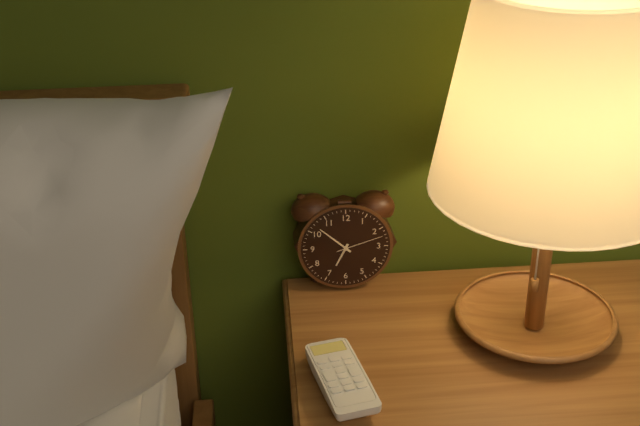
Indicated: 6,52
